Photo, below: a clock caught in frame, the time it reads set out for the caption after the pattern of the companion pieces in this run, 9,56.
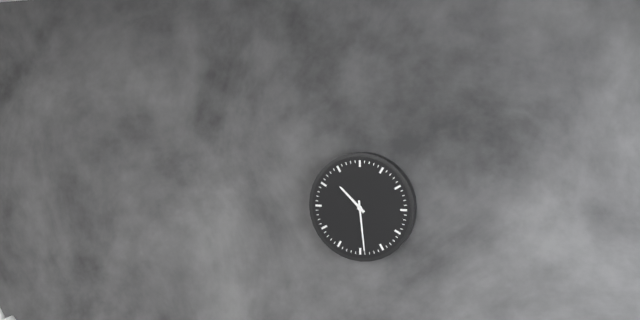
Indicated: 10,29
